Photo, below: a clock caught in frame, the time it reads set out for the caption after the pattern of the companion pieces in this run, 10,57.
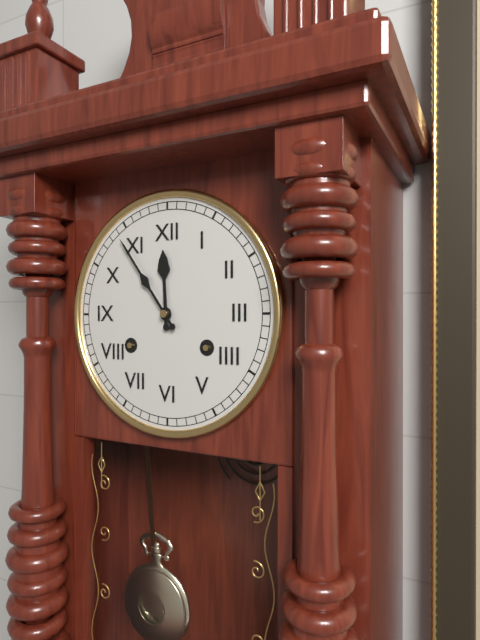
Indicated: 11,54
